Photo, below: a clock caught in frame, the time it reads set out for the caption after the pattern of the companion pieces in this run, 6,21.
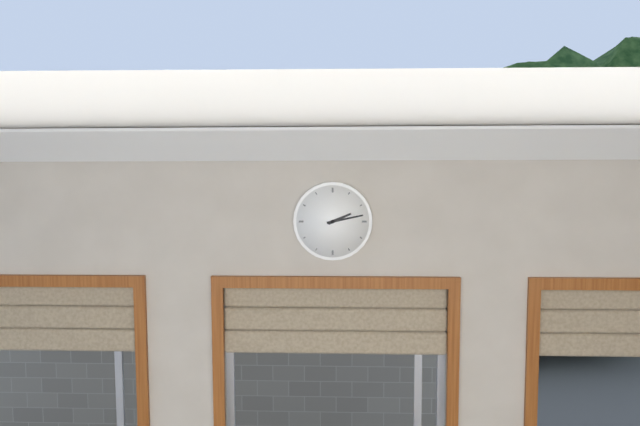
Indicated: 2,13
